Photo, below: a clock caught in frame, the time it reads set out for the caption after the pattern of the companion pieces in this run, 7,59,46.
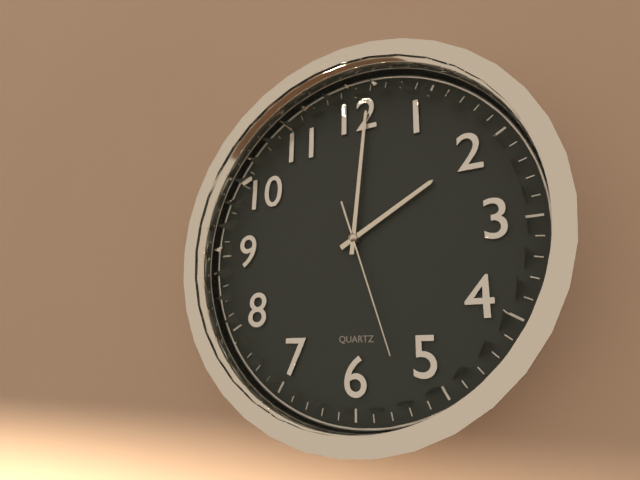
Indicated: 2,01,27
